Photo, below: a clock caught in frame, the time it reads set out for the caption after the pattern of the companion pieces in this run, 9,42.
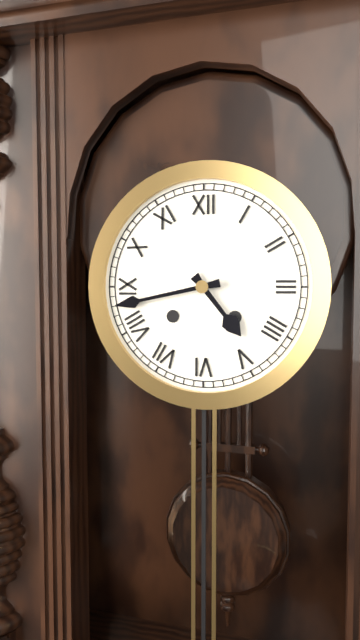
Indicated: 4,43
